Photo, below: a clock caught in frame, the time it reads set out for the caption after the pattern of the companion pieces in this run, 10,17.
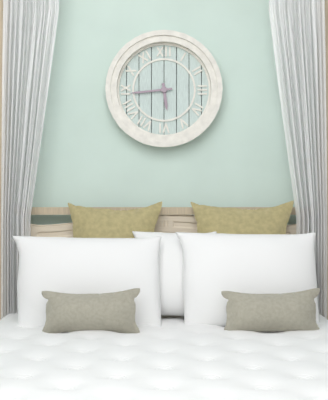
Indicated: 5,44
